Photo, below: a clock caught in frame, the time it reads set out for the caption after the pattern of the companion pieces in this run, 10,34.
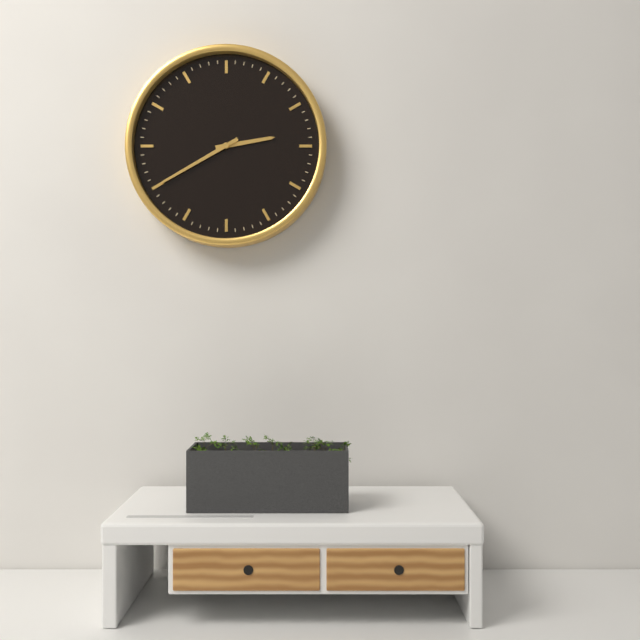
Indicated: 2,40
